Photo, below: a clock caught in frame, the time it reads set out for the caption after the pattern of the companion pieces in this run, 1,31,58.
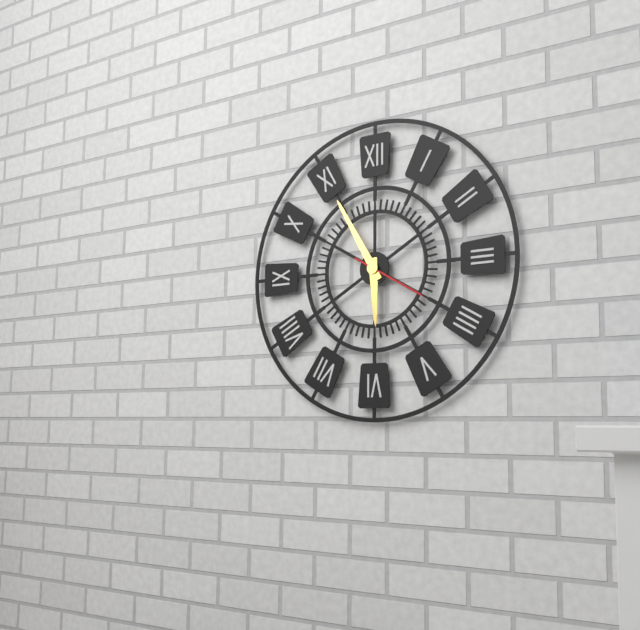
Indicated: 5,55,20
